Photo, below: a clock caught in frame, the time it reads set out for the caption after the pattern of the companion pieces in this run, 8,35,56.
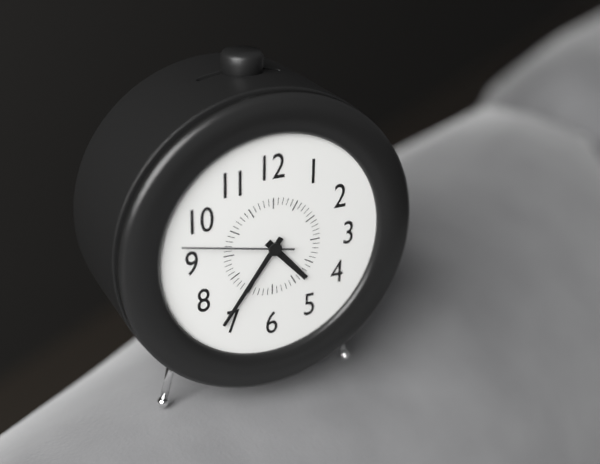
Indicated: 4,36,47
